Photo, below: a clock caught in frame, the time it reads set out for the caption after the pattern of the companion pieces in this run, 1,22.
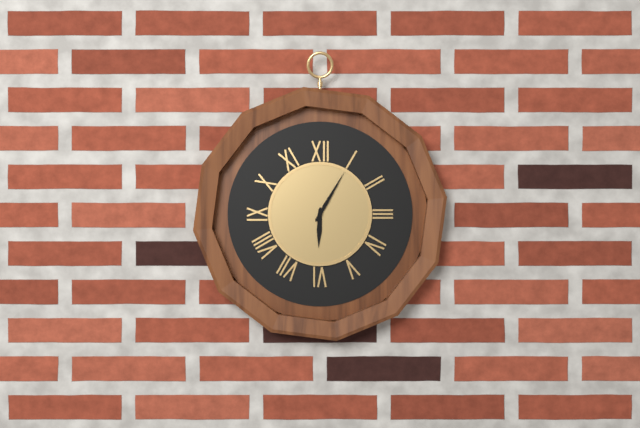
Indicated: 6,05
